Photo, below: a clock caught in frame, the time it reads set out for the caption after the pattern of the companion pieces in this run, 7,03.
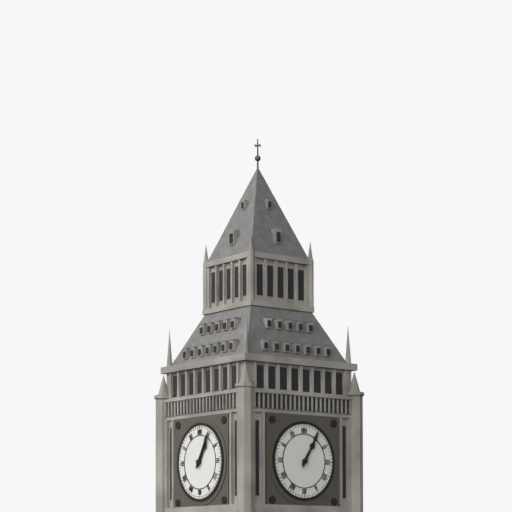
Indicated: 1,05
